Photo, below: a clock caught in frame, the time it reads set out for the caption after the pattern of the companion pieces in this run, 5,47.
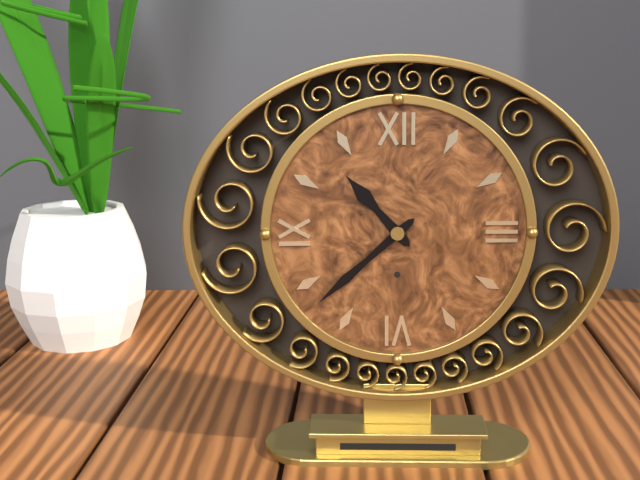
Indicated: 10,38
